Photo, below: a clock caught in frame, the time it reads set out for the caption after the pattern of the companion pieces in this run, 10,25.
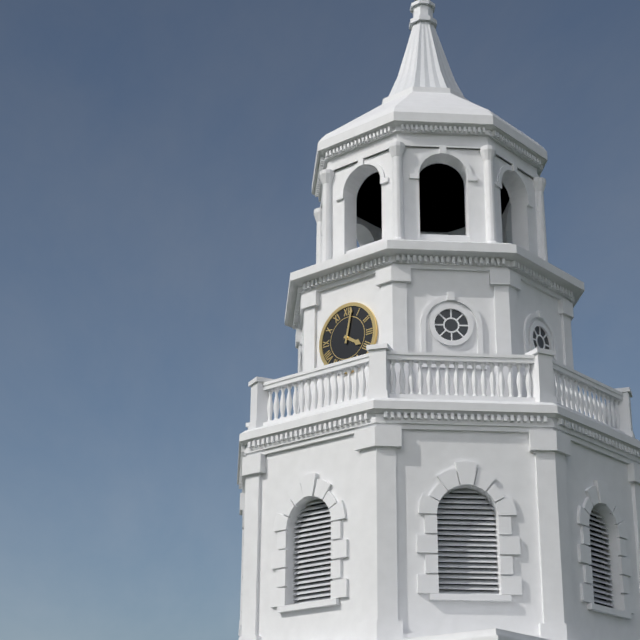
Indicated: 4,02
